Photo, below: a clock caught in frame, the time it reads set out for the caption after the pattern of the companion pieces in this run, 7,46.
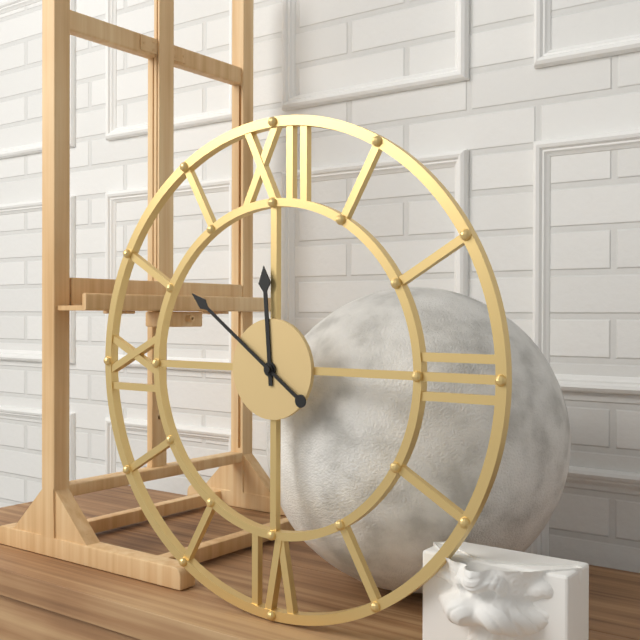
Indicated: 11,51
